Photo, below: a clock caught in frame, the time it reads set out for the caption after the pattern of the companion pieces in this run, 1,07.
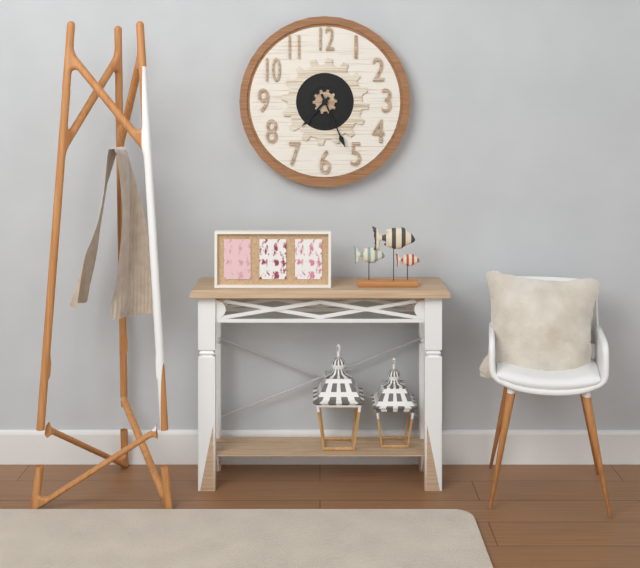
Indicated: 7,26
